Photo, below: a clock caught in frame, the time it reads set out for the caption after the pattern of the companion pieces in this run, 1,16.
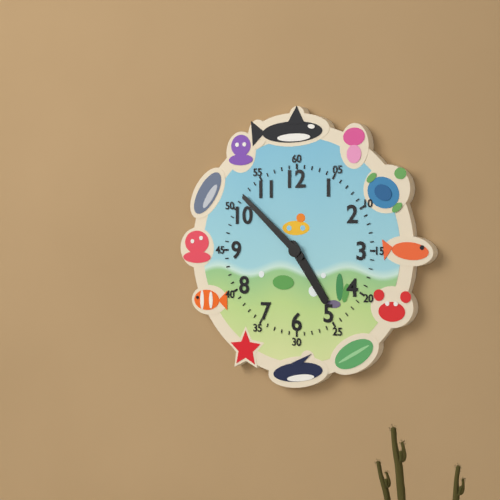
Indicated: 4,52
